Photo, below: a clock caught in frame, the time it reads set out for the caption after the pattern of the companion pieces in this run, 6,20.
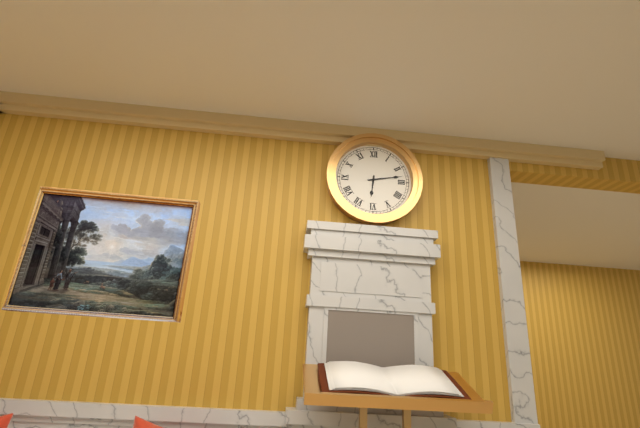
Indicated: 6,13
